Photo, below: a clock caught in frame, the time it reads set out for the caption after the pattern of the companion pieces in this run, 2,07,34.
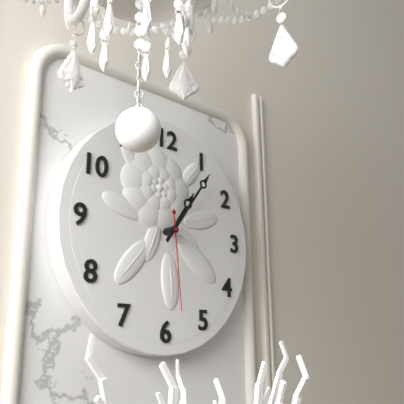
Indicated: 1,06,29
